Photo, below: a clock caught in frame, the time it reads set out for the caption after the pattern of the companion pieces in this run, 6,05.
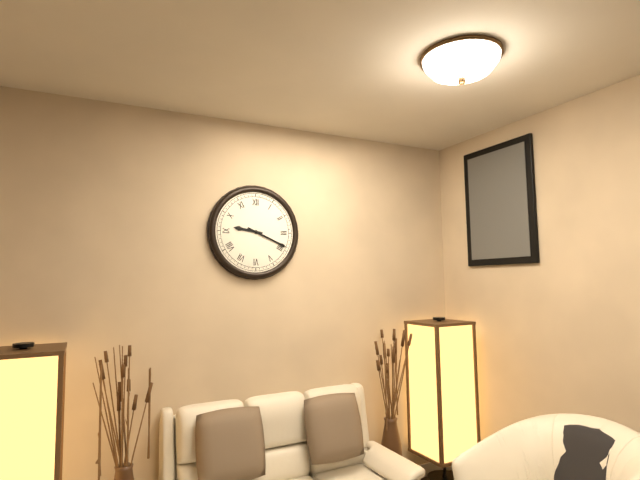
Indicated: 9,19
